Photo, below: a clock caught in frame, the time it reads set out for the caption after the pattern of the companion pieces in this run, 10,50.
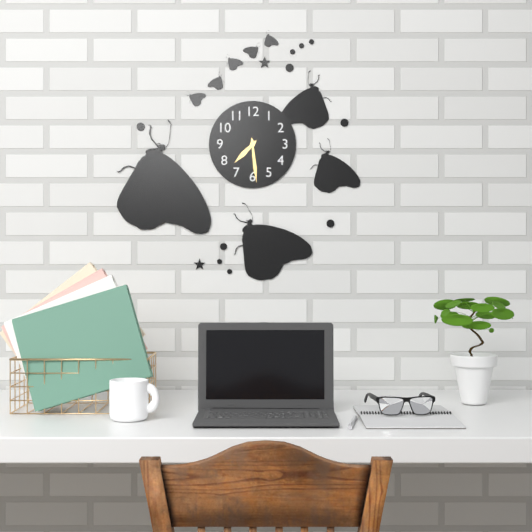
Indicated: 7,29
